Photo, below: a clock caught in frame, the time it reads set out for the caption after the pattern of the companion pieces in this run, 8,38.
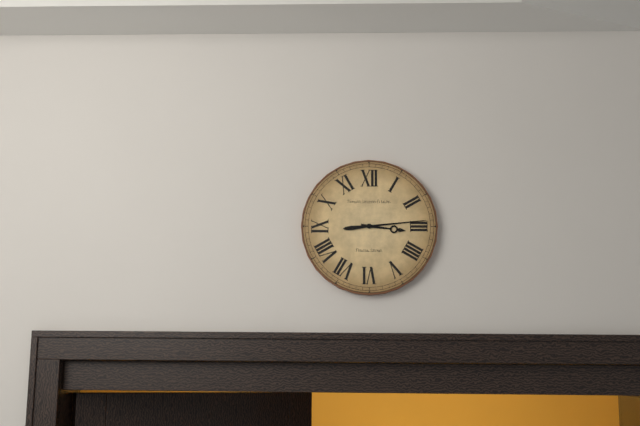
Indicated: 3,14
